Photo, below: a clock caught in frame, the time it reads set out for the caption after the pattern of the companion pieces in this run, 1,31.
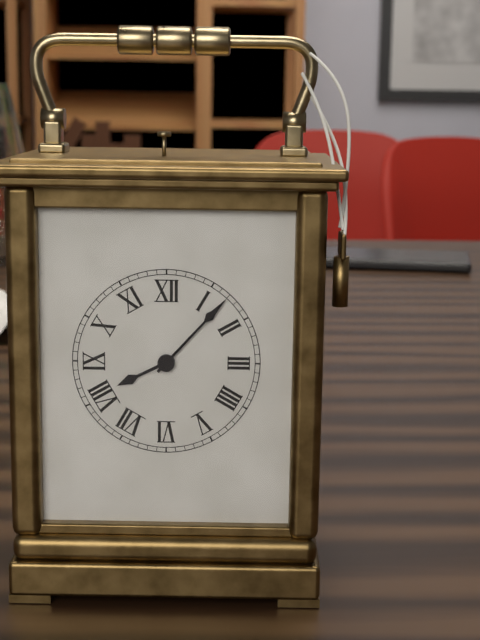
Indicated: 8,07
